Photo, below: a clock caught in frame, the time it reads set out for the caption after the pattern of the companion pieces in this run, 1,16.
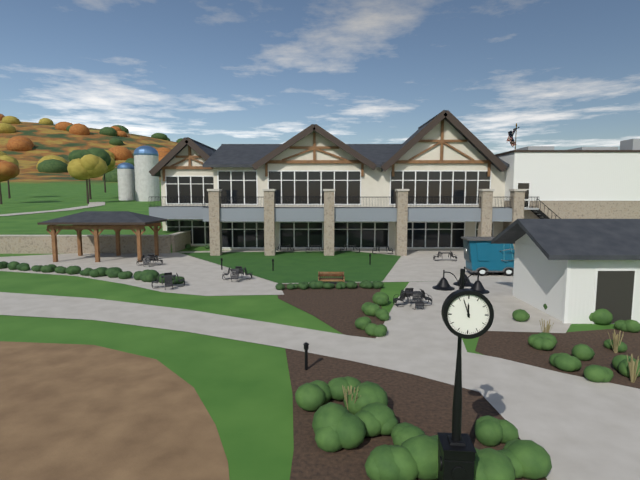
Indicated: 11,57
